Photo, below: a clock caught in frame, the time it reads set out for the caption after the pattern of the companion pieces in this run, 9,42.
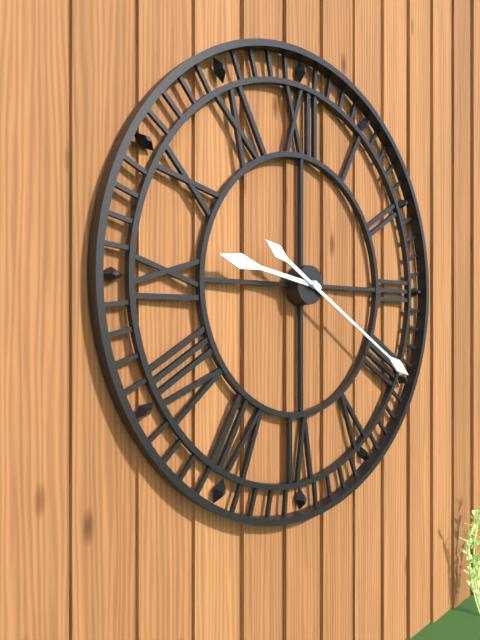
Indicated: 9,20
